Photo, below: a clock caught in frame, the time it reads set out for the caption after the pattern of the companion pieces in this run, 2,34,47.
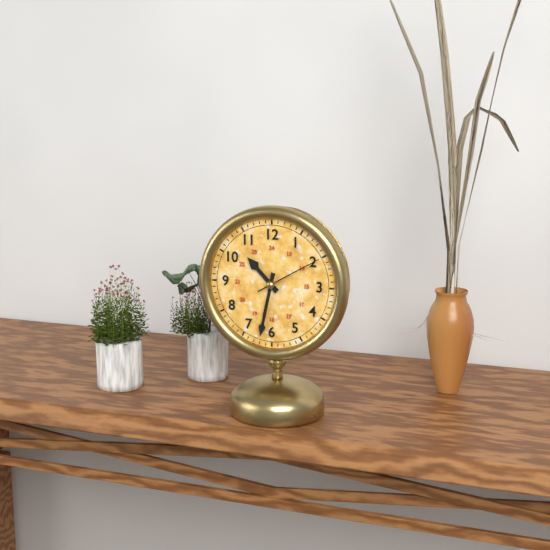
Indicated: 10,32,10
